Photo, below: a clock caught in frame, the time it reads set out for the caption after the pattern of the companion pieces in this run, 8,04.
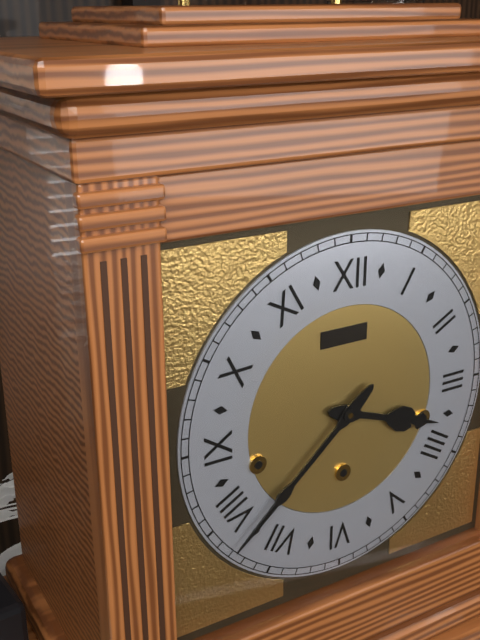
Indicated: 3,38
